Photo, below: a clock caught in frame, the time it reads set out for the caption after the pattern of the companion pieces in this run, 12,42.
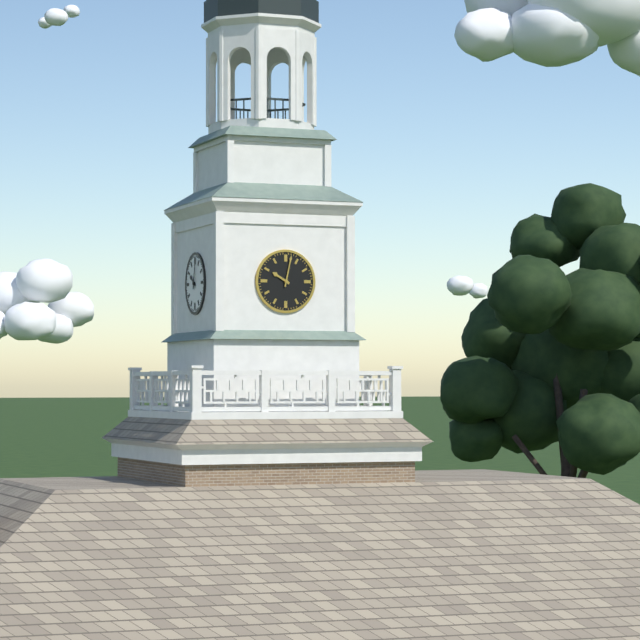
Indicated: 10,02
